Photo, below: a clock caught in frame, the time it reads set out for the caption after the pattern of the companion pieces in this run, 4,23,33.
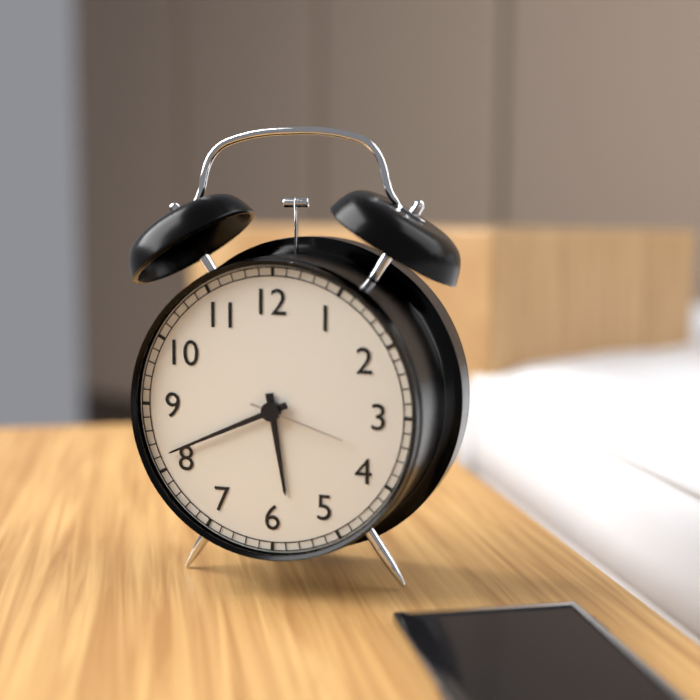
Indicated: 5,41,18
